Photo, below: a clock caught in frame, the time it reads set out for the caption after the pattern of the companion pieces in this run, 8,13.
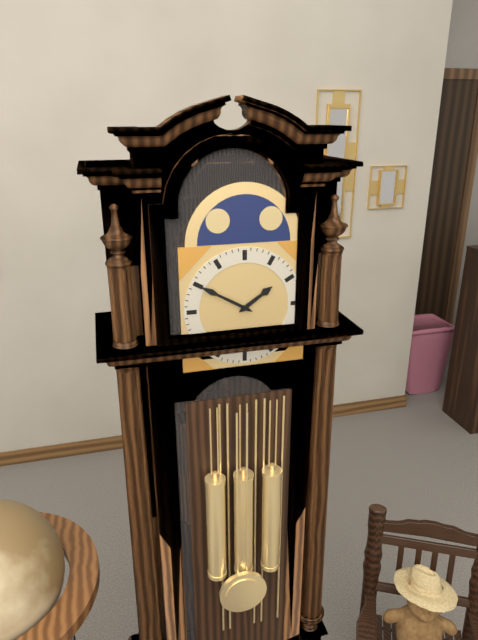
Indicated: 1,50
